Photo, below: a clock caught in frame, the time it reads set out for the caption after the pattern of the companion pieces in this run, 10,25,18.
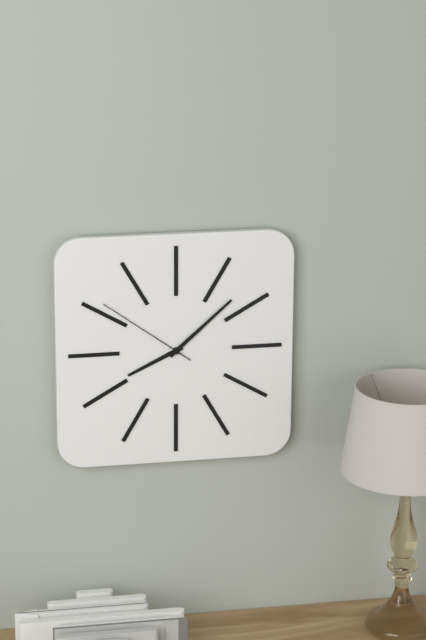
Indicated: 8,08,51
